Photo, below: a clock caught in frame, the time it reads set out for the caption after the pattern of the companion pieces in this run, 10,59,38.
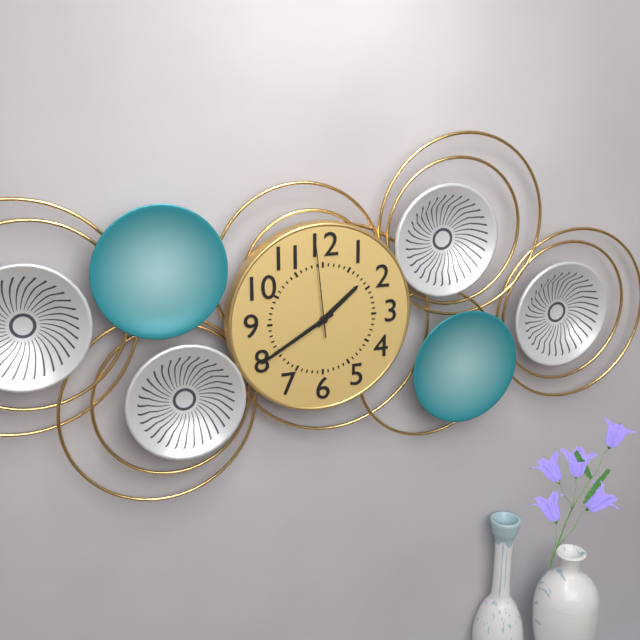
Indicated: 1,40,59
